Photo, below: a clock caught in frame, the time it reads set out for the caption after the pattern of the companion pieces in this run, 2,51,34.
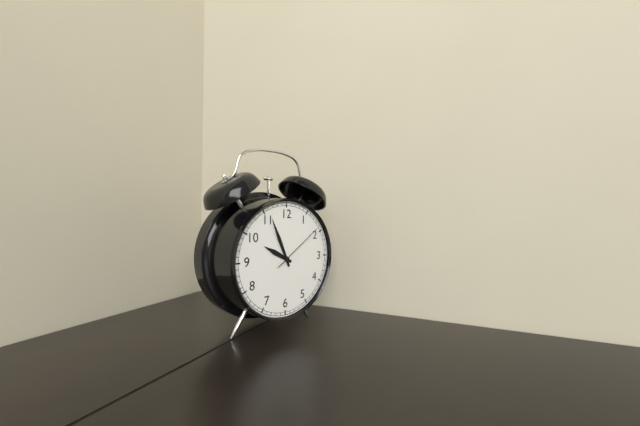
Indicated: 9,56,09
